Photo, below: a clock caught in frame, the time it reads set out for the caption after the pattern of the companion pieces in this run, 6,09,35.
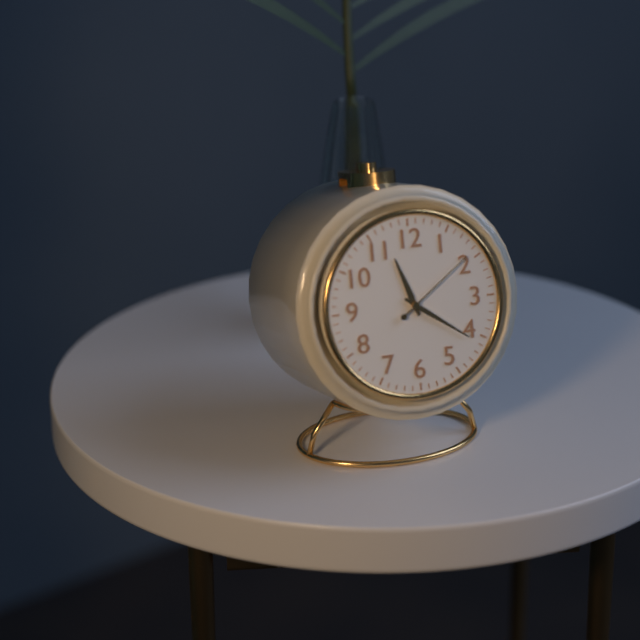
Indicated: 11,21,09
